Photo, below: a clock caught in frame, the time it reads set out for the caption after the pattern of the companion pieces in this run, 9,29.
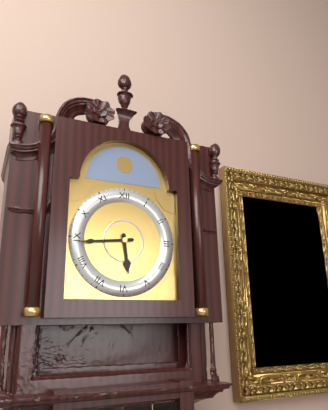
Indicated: 5,44
